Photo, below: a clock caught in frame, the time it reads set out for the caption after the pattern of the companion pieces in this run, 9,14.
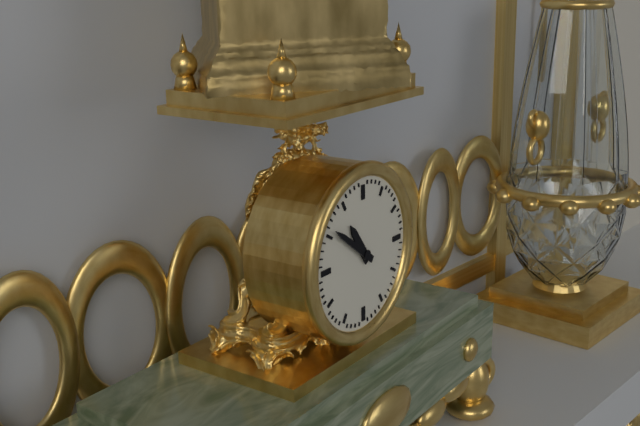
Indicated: 10,51
